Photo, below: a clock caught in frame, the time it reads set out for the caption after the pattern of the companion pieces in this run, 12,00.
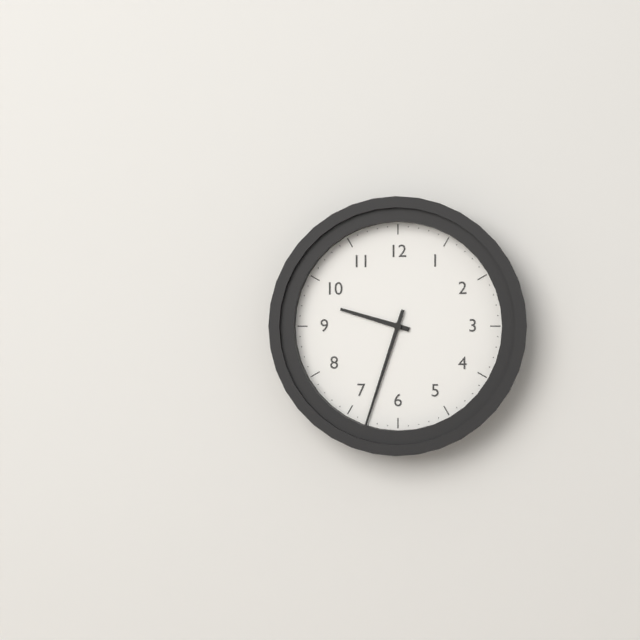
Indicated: 9,33
